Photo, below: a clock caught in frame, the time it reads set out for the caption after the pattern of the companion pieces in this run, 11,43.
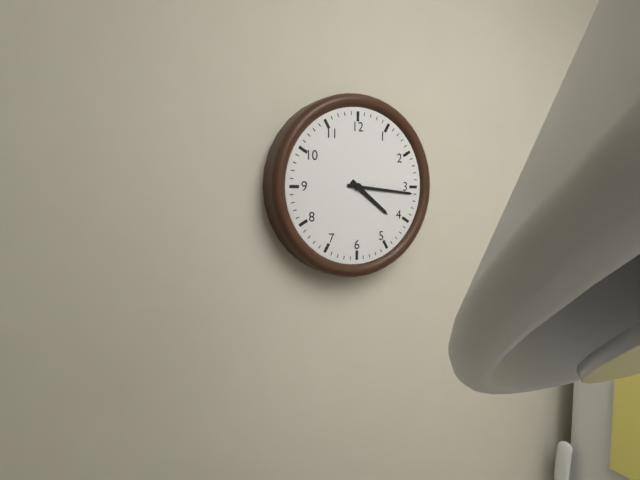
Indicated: 4,16
